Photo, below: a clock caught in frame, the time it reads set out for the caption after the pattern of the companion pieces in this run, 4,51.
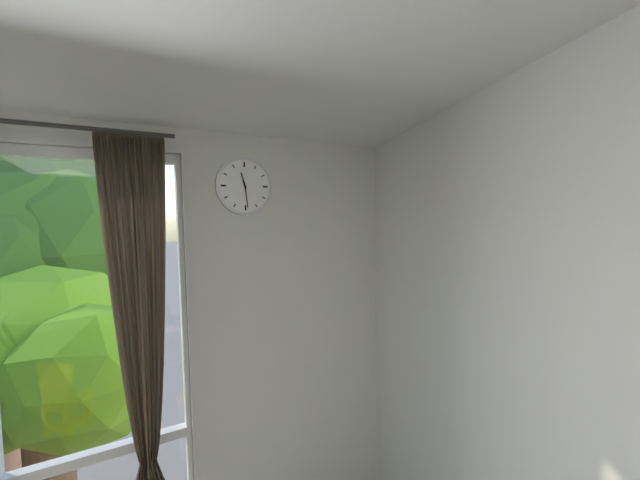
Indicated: 11,29
